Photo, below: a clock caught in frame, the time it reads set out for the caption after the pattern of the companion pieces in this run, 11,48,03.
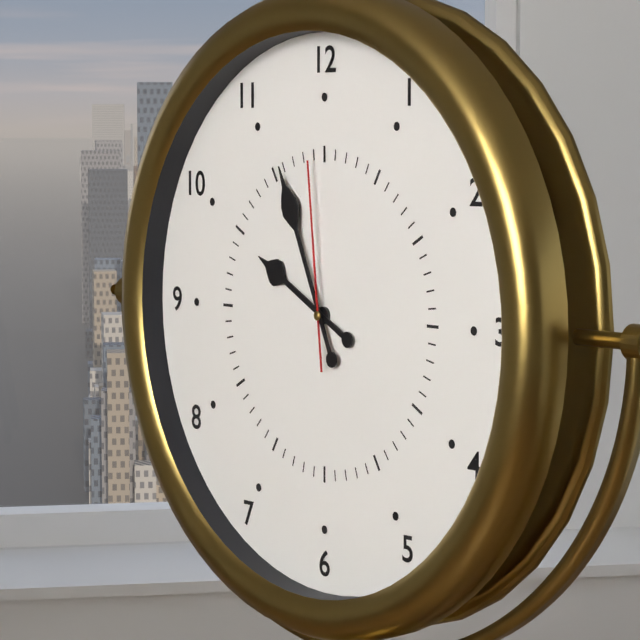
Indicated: 9,56,59
